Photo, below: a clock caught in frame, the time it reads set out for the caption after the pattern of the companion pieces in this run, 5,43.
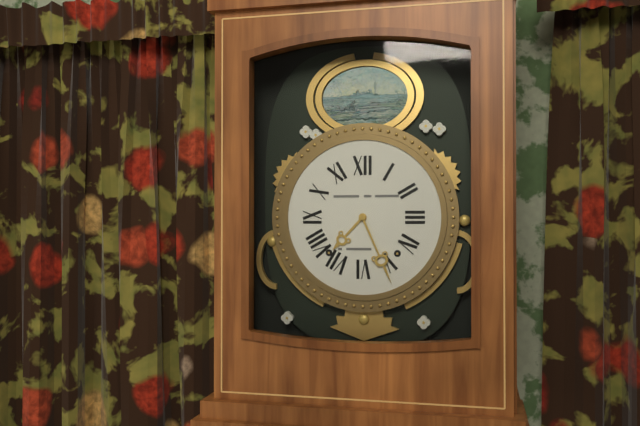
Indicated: 7,26
